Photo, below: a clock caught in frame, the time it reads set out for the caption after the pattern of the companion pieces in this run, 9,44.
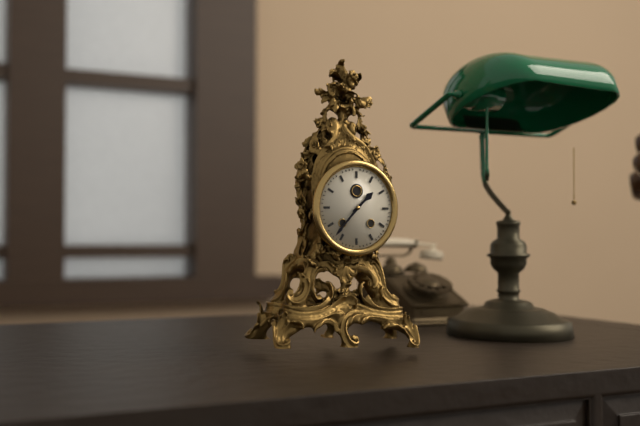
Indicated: 1,37
